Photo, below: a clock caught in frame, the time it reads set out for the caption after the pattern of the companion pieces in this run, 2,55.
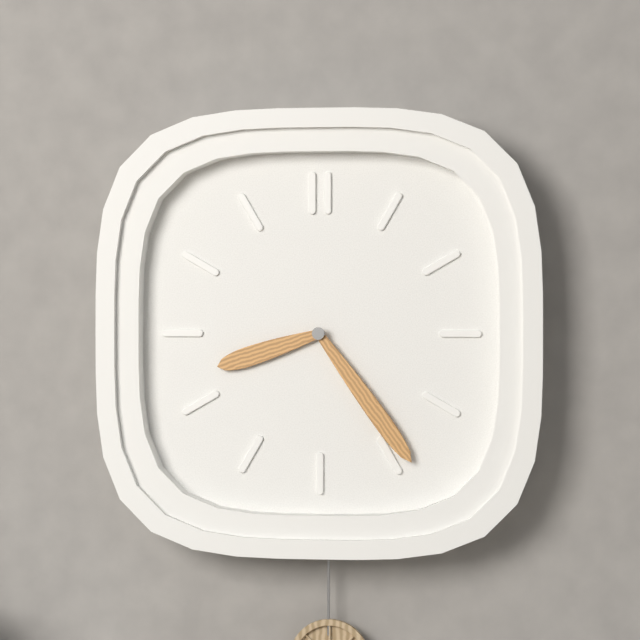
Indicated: 8,24
